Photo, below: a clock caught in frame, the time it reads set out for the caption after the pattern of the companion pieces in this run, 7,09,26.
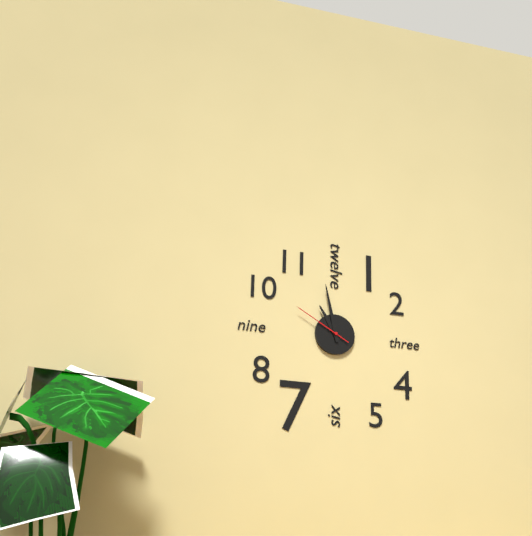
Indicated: 10,58,50
